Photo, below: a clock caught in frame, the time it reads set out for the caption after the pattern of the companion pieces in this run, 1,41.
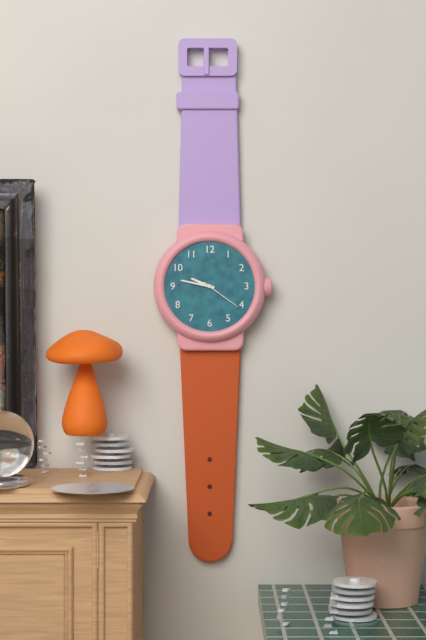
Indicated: 9,47
